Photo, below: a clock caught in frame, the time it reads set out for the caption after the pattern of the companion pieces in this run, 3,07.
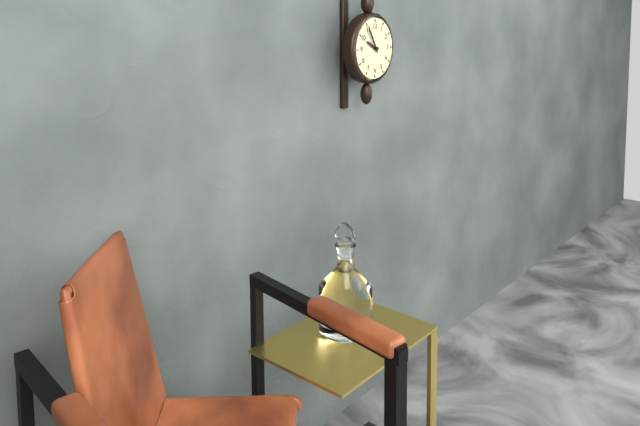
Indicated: 9,55
